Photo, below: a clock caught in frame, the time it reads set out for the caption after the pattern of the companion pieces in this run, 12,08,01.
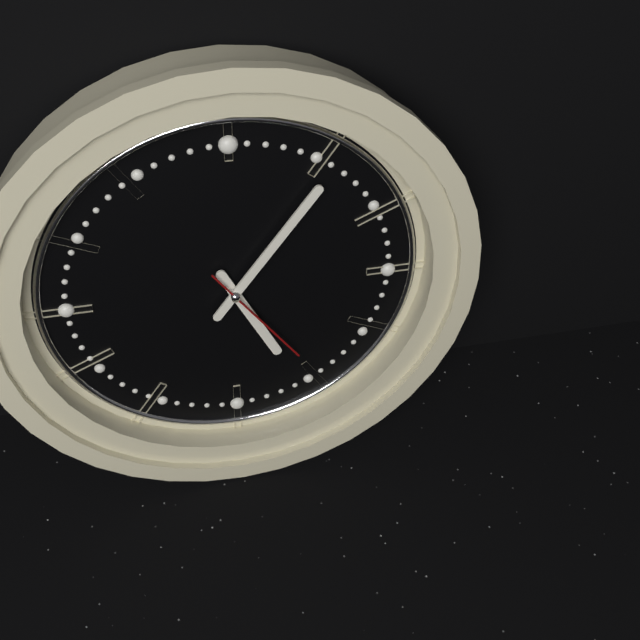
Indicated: 5,06,24
